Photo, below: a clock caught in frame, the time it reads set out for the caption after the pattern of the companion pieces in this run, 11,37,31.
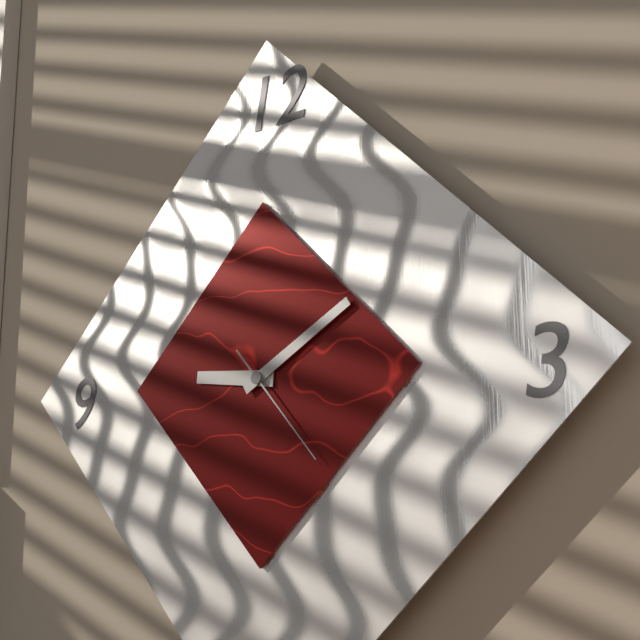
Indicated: 9,10,23
